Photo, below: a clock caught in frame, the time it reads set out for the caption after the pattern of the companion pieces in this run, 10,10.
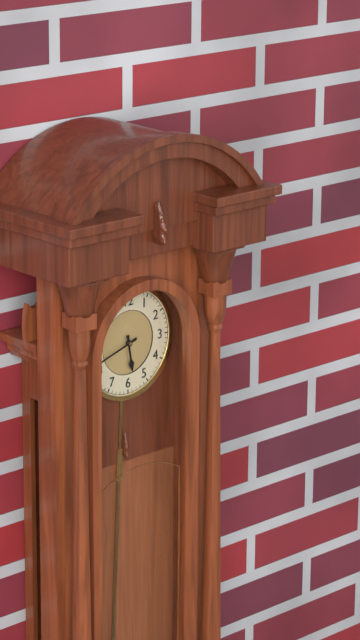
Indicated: 5,42
